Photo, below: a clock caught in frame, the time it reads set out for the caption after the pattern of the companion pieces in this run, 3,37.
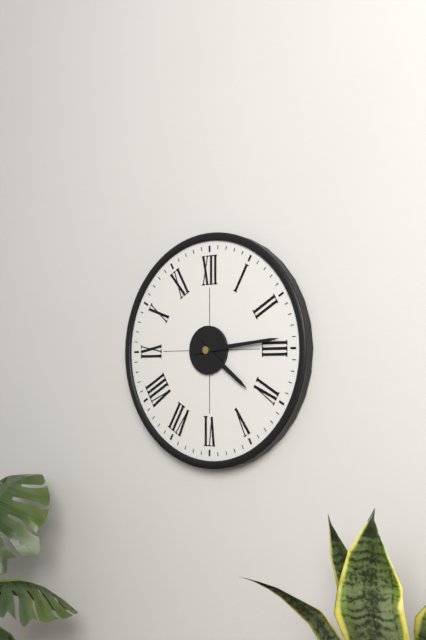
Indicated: 4,14
